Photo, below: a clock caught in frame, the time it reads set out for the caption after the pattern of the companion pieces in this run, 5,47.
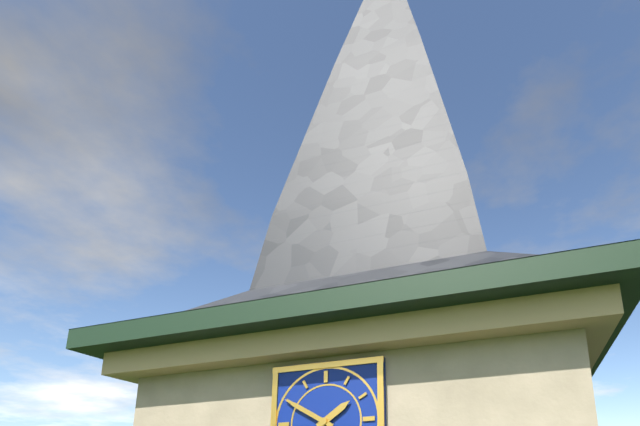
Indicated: 1,50
